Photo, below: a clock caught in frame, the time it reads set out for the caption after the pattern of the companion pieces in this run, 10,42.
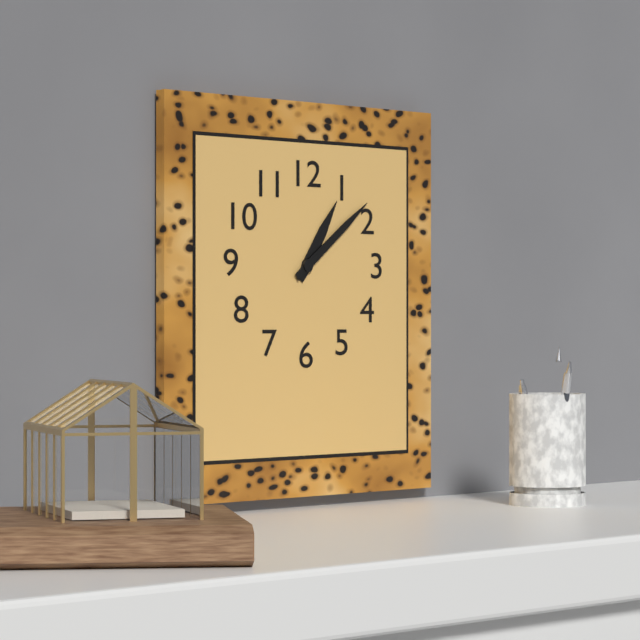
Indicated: 1,09
